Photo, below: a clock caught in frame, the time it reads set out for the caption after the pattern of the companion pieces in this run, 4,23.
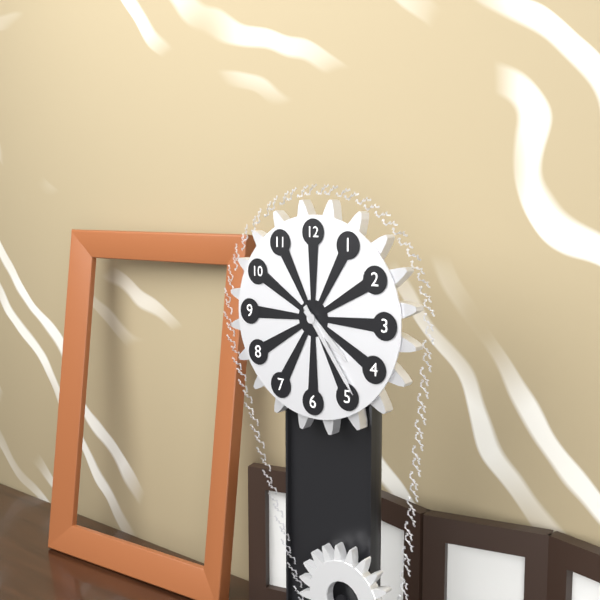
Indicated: 4,24
